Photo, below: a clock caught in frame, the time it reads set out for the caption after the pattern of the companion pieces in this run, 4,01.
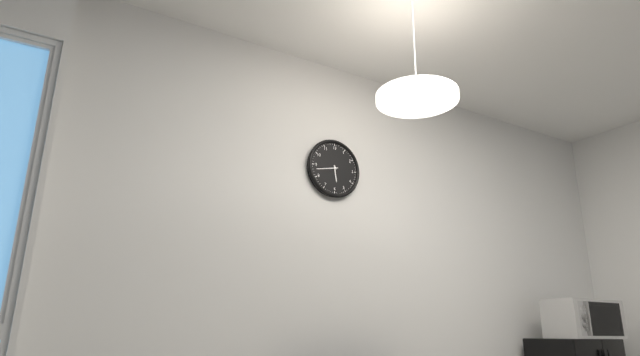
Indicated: 5,43
